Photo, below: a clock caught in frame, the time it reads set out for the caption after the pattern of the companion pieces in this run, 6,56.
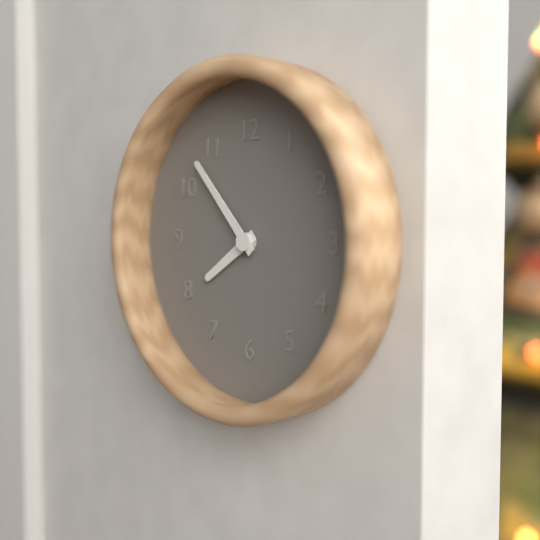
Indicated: 7,53
